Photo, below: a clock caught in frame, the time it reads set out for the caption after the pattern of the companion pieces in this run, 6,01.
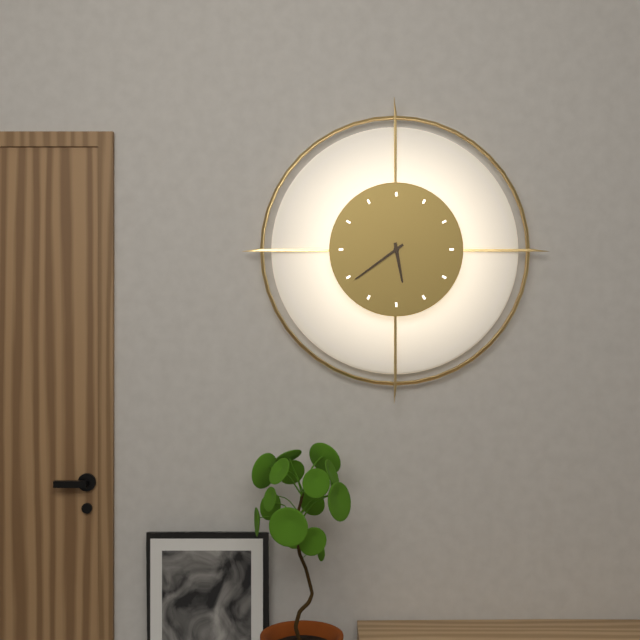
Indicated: 5,39
